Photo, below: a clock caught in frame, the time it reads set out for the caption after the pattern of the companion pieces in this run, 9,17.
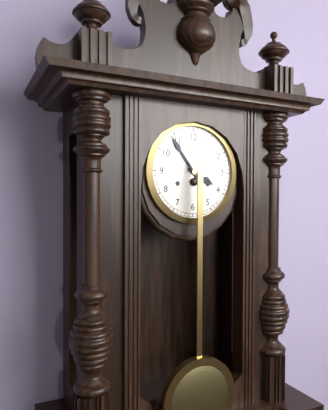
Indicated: 3,54
